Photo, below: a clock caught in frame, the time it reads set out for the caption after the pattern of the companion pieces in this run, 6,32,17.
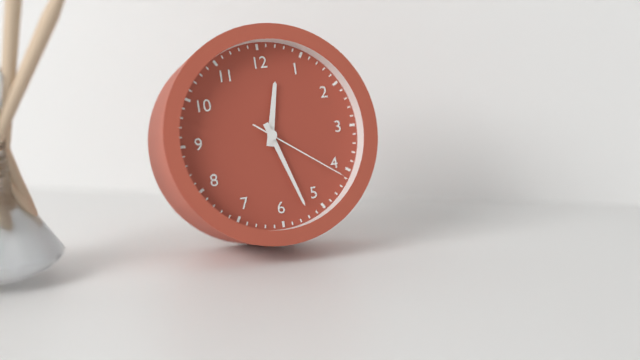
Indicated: 12,27,21
